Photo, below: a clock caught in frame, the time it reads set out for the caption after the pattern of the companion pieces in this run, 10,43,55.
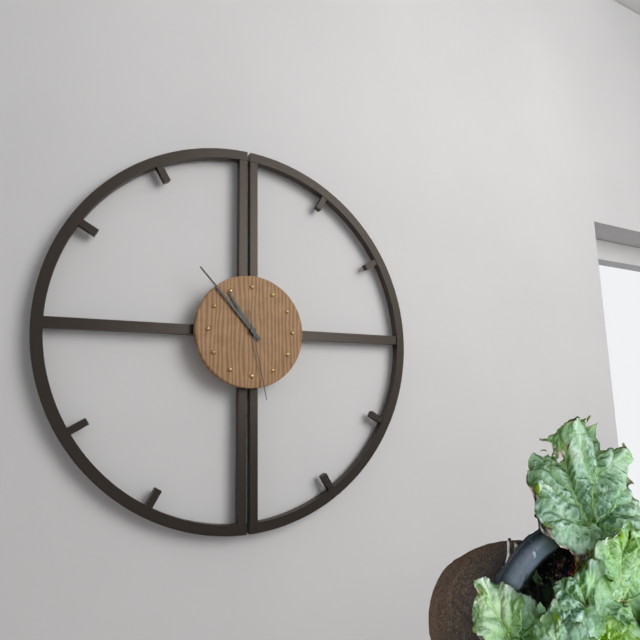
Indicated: 10,53,28
